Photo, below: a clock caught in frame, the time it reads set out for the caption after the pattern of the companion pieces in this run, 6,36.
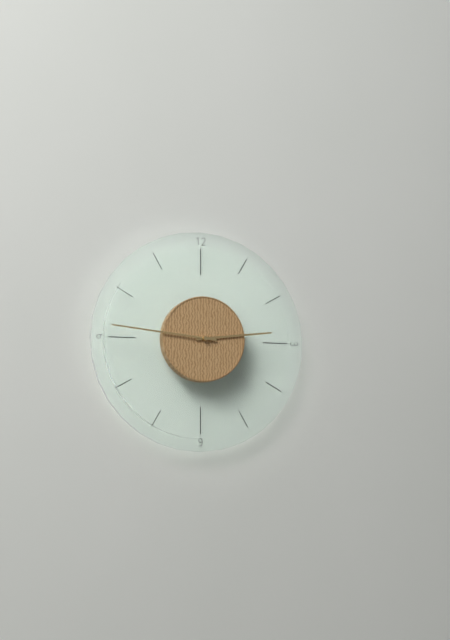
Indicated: 2,46
